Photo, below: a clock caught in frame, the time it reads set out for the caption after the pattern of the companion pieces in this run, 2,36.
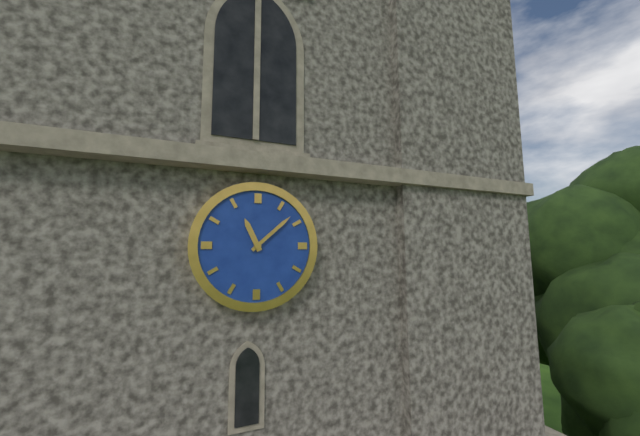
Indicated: 11,08
